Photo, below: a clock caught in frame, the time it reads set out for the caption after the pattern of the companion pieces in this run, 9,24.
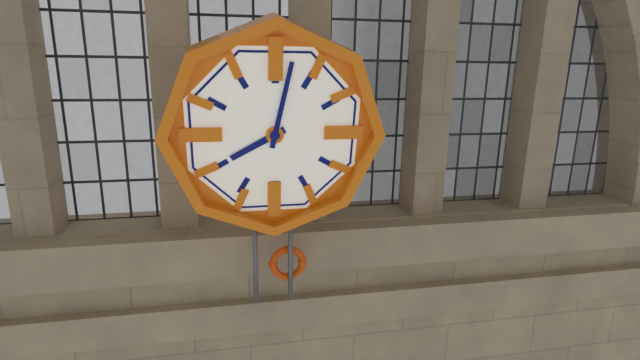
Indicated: 8,02
